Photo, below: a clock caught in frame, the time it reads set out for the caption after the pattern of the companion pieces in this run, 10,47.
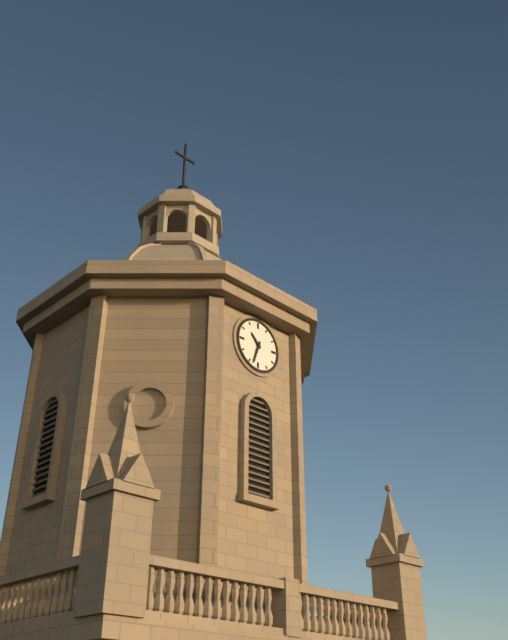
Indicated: 10,33
